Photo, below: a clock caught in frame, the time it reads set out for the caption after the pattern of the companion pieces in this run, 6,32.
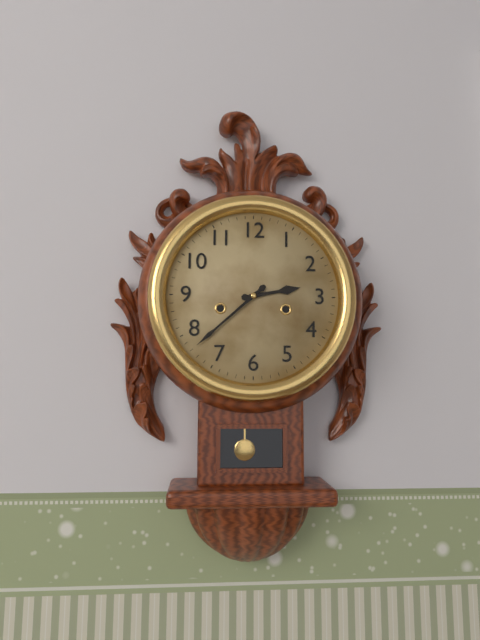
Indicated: 2,38
